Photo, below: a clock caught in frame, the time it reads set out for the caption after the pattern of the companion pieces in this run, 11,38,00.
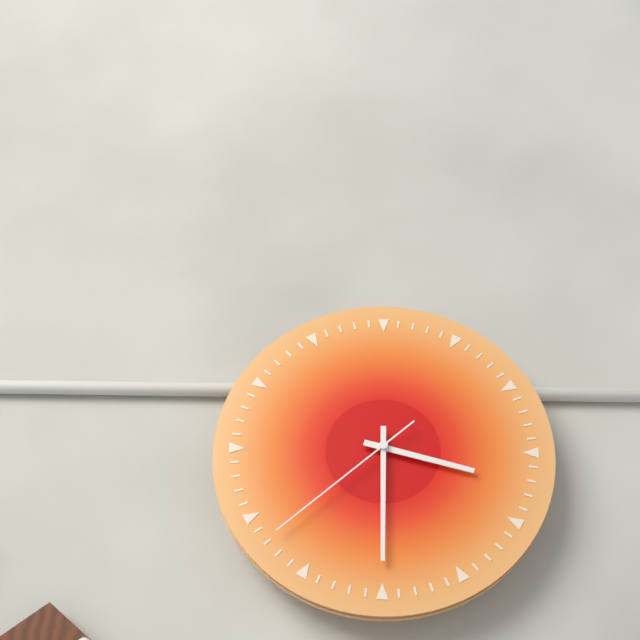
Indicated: 3,30,38
